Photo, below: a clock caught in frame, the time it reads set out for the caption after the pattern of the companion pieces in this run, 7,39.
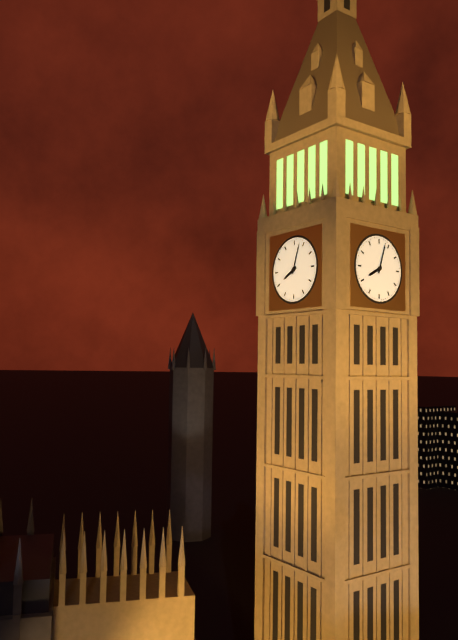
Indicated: 8,03
